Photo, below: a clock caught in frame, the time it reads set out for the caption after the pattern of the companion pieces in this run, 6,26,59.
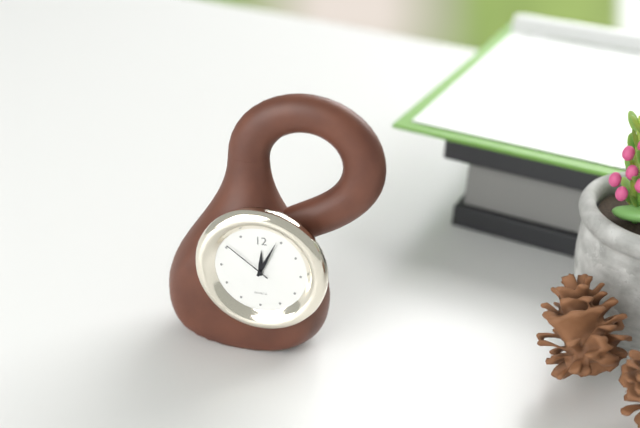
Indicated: 12,04,51
